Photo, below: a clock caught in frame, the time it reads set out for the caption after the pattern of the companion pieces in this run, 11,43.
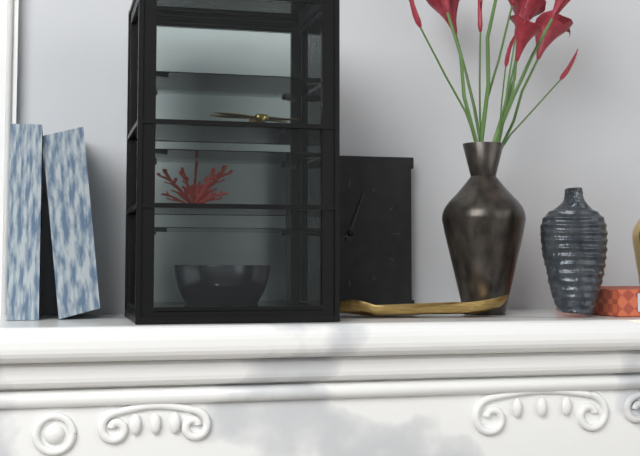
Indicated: 12,40
